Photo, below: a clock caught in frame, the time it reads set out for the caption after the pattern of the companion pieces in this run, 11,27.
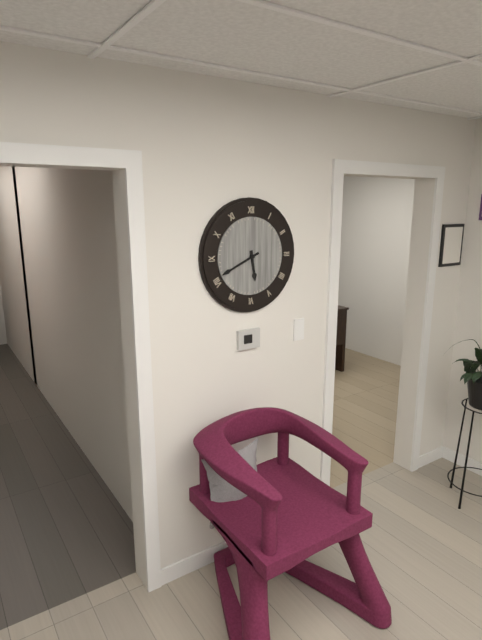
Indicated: 5,41
